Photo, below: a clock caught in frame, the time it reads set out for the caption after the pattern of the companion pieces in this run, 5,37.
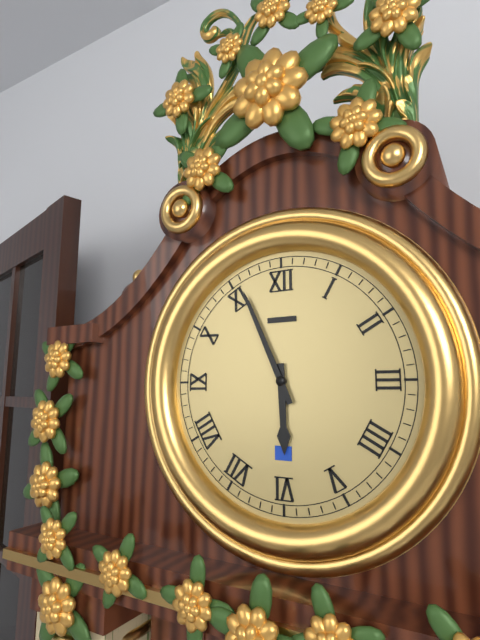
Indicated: 5,56
